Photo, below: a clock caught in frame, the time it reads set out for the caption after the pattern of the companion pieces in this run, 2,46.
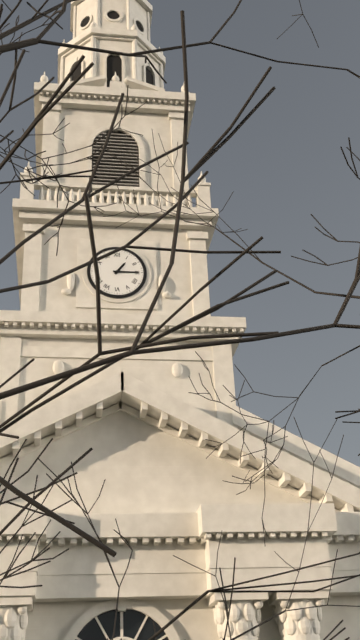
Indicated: 1,15
